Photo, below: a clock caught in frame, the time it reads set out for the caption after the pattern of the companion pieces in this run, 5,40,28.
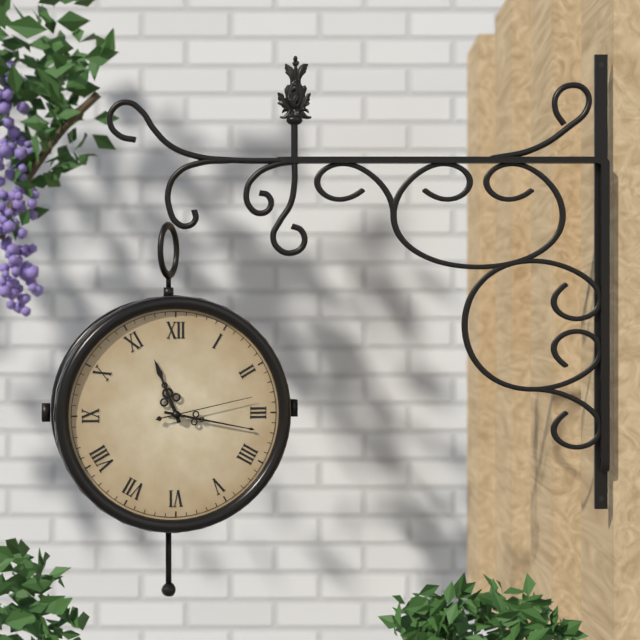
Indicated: 11,17,13
